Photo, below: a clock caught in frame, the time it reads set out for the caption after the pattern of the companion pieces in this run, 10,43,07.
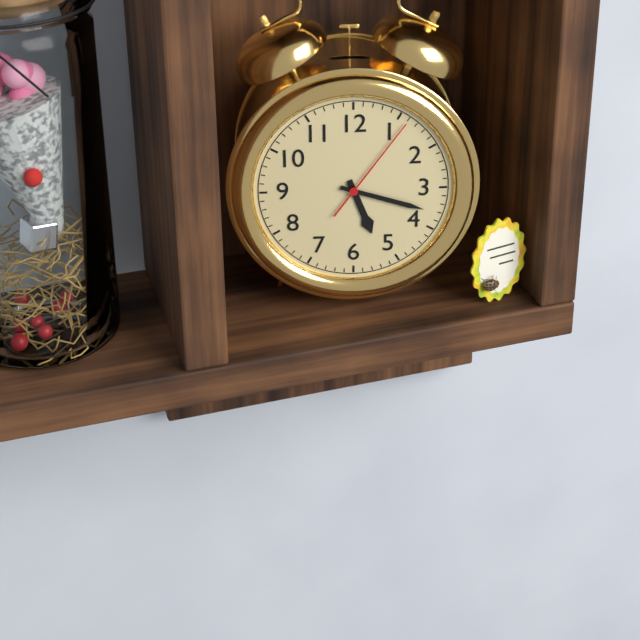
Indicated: 5,18,06
